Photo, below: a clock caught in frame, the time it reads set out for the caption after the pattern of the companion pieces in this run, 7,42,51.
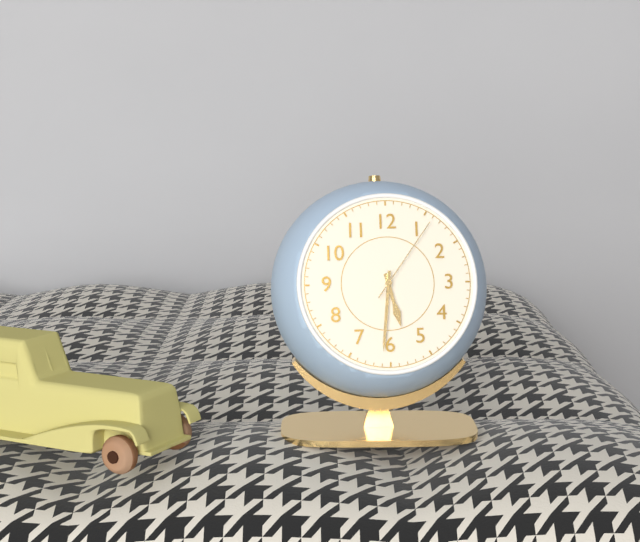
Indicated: 5,31,06
